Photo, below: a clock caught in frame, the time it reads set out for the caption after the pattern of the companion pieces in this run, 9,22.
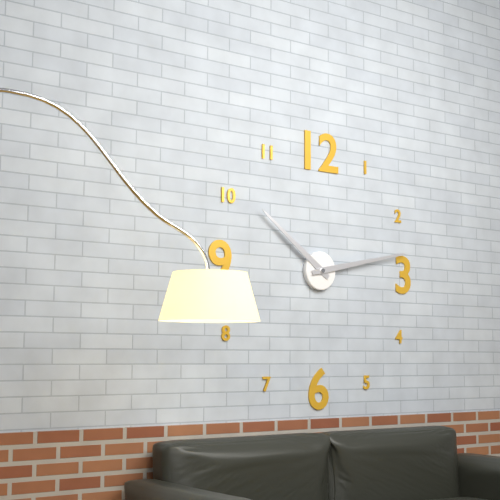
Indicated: 10,13
